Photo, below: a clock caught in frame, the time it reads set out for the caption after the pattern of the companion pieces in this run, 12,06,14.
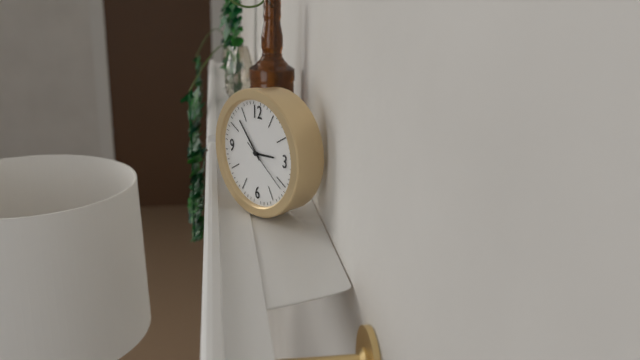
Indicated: 2,53,21
